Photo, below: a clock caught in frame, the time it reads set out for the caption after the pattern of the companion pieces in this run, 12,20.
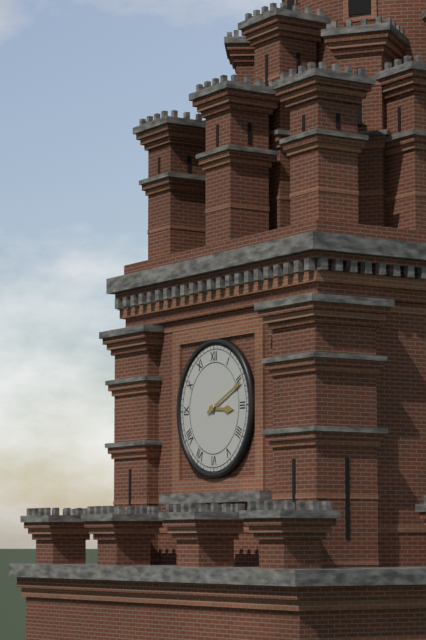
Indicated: 3,11
